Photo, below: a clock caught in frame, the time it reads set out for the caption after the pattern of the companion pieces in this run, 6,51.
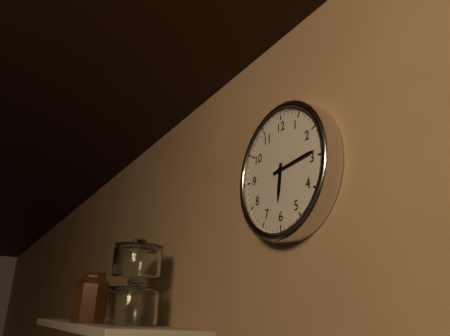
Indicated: 6,14
